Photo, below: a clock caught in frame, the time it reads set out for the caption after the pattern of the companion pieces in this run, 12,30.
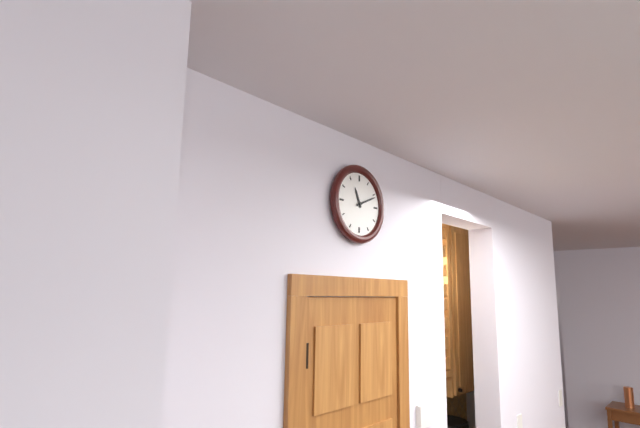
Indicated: 11,11
